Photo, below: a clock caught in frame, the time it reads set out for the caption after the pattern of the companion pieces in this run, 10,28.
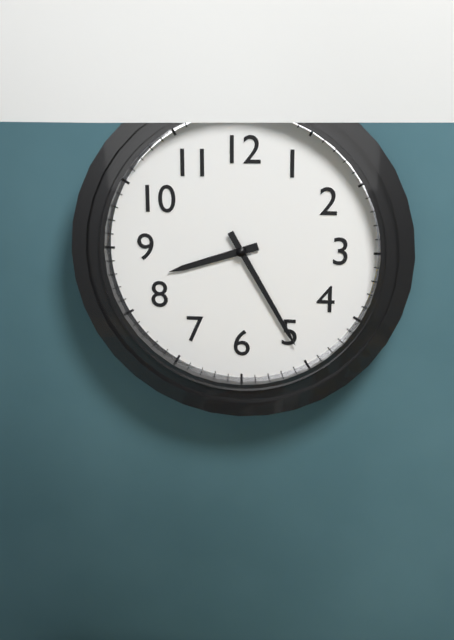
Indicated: 8,25
